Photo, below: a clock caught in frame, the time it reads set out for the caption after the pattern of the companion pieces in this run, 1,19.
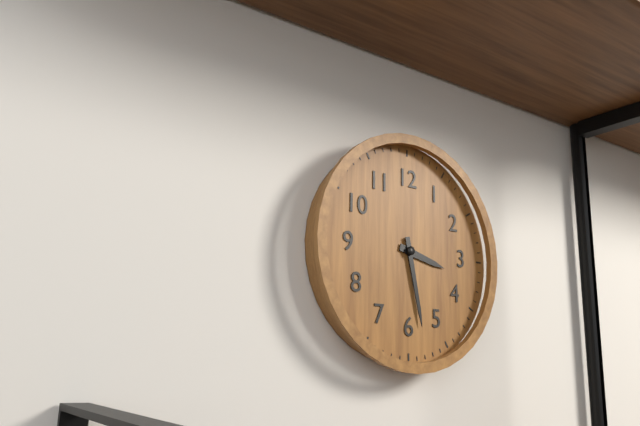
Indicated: 3,28
